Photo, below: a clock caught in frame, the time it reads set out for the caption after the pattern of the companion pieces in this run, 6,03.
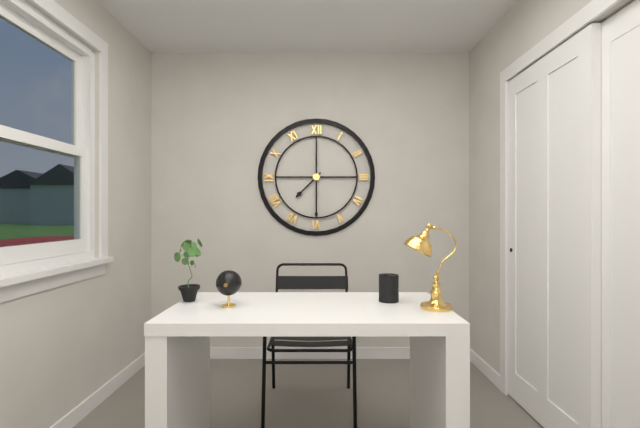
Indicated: 7,30
